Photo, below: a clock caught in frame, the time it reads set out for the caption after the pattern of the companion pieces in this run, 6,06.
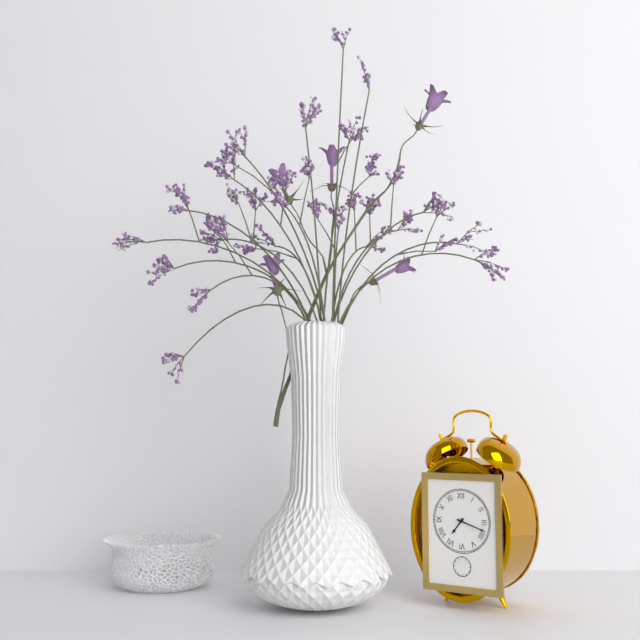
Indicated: 7,18
